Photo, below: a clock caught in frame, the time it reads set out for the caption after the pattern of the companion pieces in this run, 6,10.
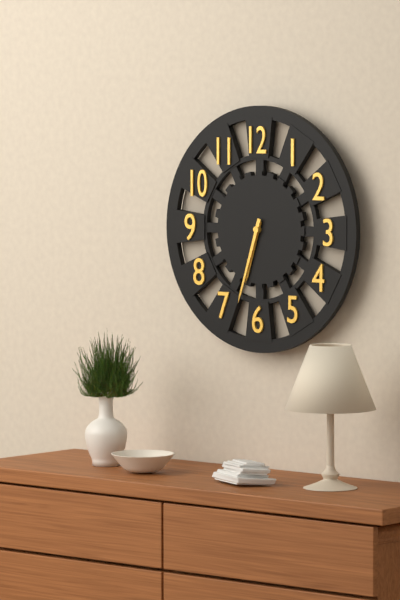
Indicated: 6,33
